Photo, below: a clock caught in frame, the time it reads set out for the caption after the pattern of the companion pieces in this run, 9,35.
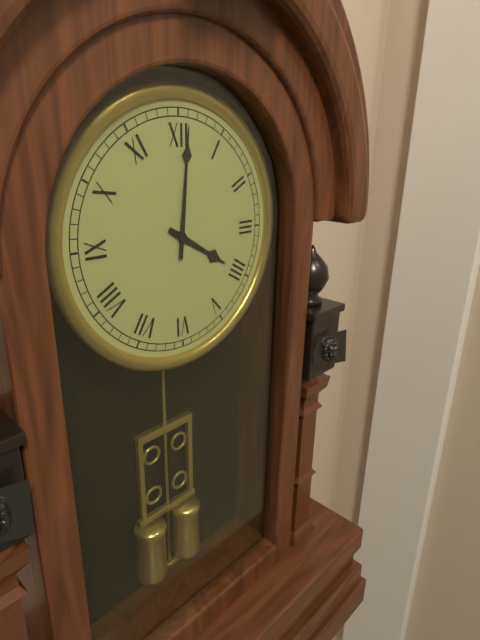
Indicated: 4,01
